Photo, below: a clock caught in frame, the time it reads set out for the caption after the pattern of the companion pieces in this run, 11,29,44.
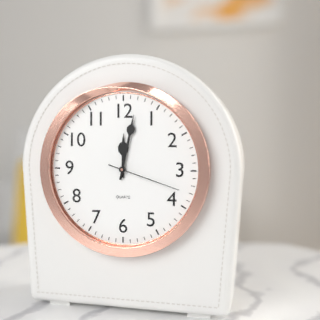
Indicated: 12,02,18
